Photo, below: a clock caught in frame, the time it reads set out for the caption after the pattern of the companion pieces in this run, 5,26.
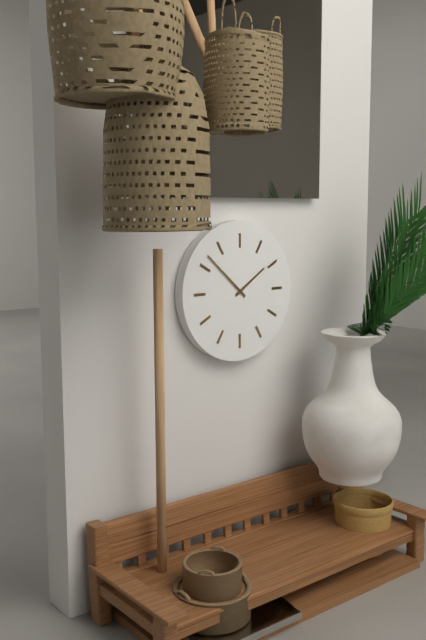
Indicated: 1,52
